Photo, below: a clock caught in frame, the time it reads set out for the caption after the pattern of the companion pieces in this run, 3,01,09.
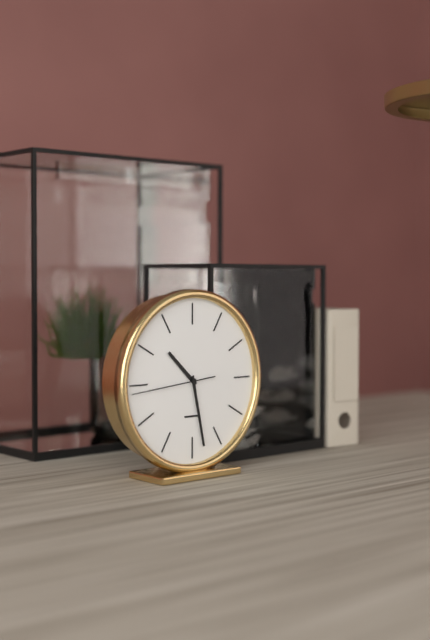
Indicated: 10,28,44
